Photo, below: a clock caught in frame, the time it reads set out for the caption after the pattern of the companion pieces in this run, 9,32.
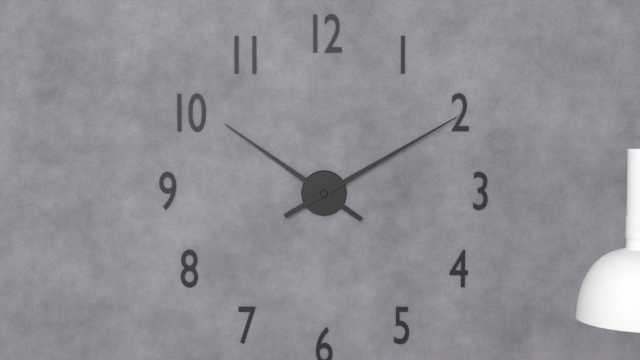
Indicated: 10,10
